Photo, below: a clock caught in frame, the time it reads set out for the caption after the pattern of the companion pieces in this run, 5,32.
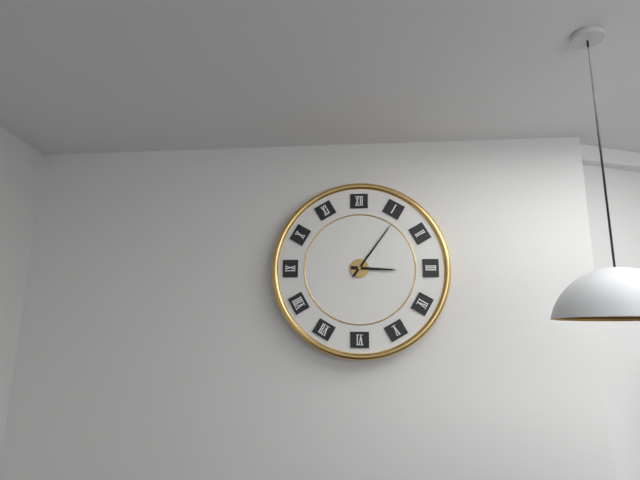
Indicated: 3,06
